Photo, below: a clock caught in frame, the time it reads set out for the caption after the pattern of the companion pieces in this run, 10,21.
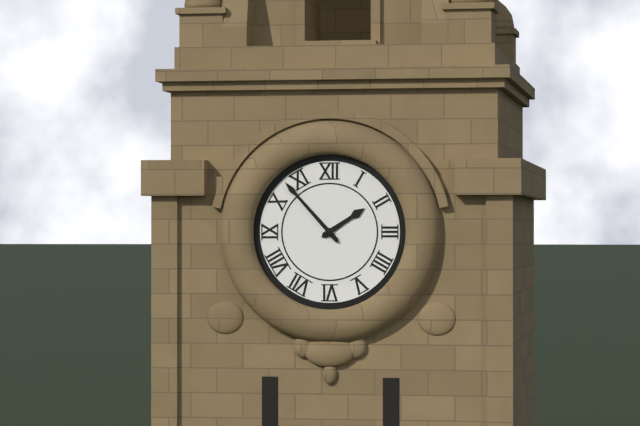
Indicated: 1,53
